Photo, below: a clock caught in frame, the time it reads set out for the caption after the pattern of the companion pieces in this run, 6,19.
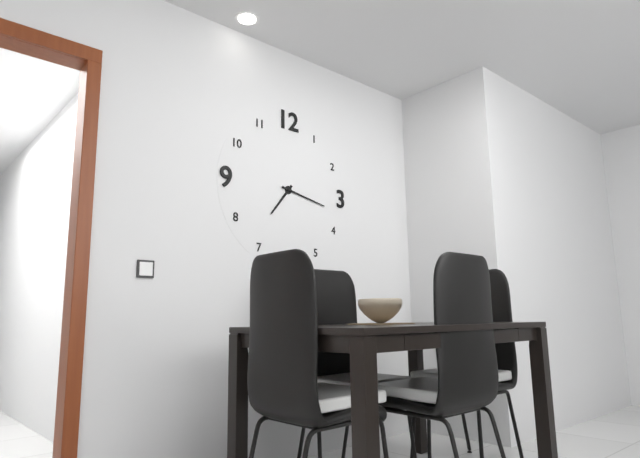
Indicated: 7,17
